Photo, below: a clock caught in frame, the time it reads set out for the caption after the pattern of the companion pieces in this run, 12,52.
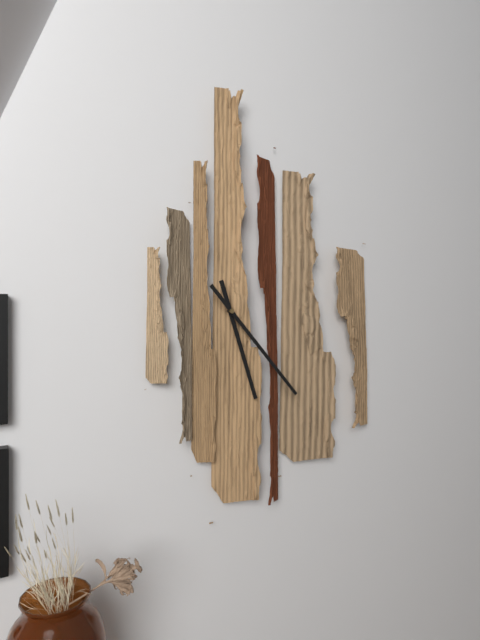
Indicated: 5,23
